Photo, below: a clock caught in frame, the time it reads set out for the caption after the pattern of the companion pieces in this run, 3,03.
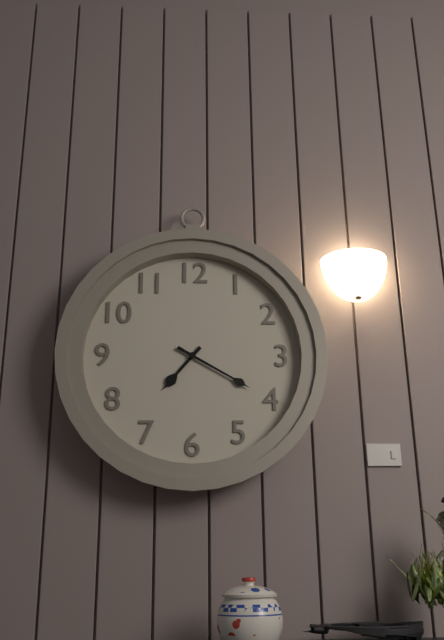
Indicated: 7,20
